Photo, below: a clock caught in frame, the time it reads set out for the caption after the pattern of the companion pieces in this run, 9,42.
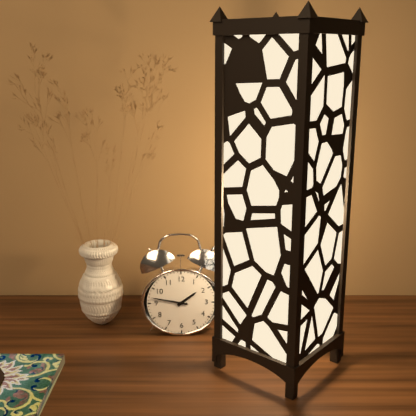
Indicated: 1,47
